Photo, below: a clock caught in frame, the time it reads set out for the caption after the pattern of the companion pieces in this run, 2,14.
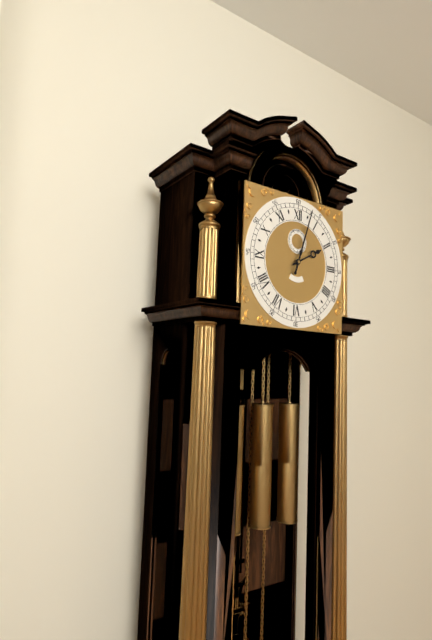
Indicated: 2,03
